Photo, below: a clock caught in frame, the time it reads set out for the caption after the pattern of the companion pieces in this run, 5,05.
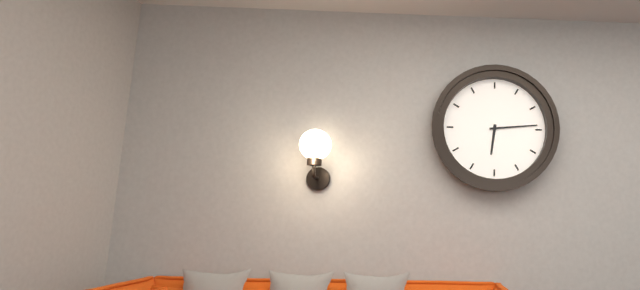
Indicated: 6,14
